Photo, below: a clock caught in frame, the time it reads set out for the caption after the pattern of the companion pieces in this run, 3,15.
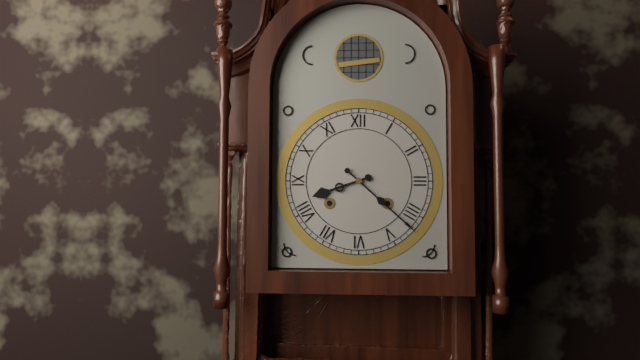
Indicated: 8,22
